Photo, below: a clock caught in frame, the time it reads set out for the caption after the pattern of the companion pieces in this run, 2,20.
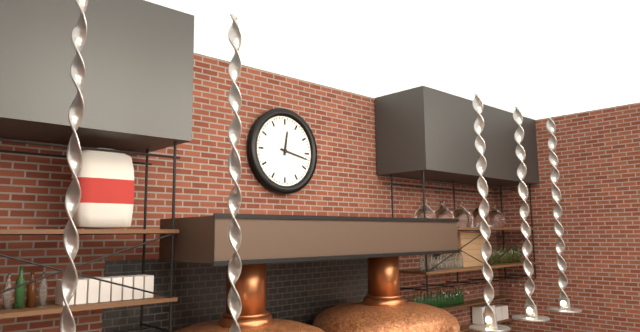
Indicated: 12,17
